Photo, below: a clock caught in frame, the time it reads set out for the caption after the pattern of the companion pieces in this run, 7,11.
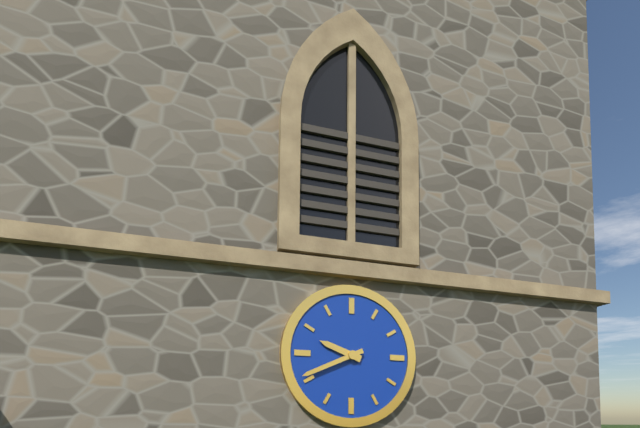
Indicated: 9,41
